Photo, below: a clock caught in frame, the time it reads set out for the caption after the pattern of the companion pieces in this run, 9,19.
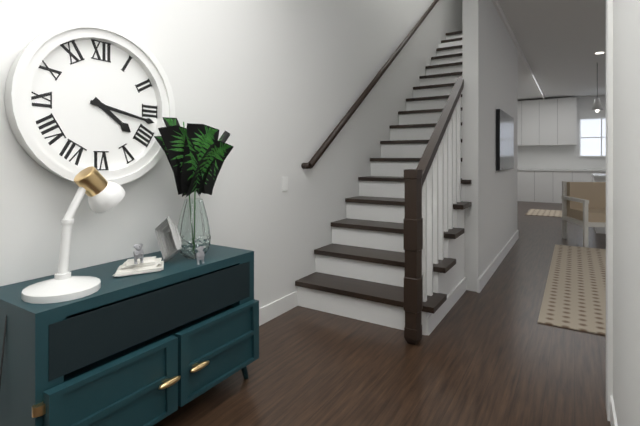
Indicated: 4,17
